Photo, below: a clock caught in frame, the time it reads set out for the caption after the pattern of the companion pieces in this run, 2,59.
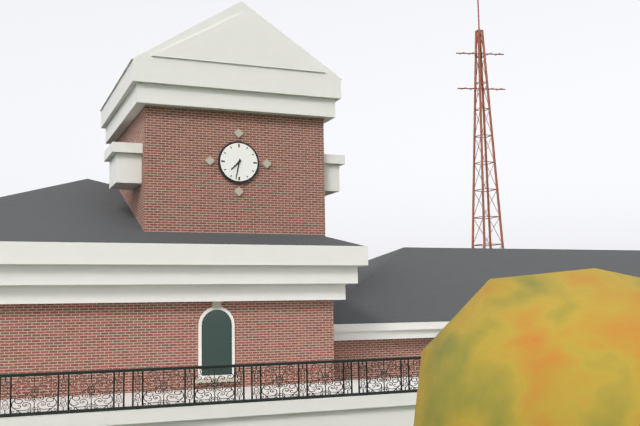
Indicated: 7,32
